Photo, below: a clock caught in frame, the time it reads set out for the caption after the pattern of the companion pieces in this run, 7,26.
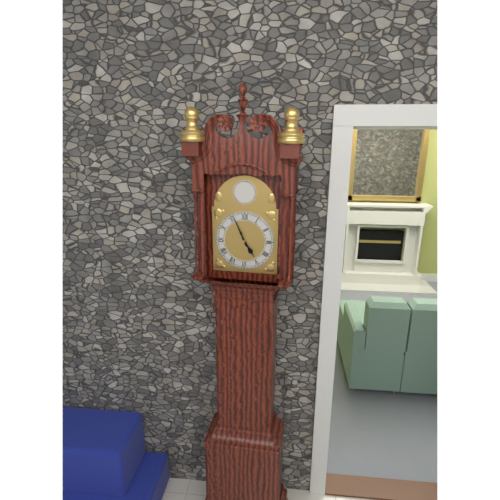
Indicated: 4,56
